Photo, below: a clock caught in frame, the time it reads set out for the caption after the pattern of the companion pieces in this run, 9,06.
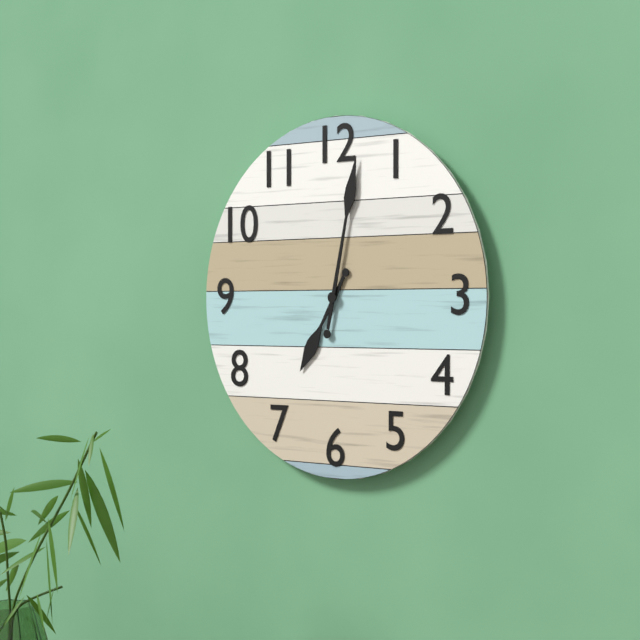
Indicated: 7,02
